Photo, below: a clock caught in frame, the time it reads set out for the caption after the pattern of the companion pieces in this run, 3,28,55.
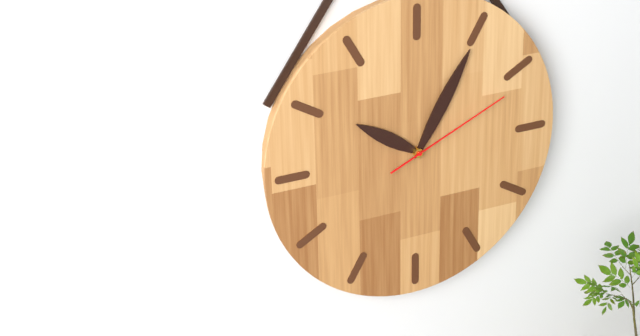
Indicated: 10,05,11
